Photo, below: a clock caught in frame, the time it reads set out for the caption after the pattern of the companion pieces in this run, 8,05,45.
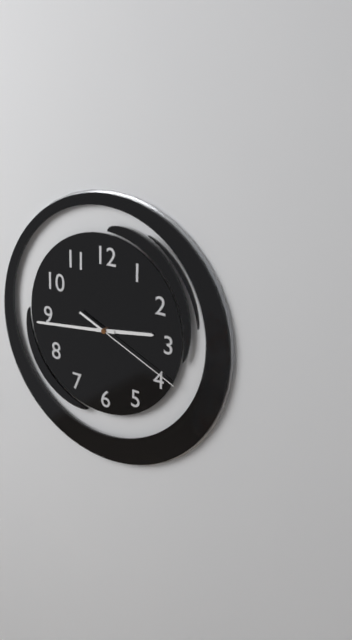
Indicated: 2,44,19
